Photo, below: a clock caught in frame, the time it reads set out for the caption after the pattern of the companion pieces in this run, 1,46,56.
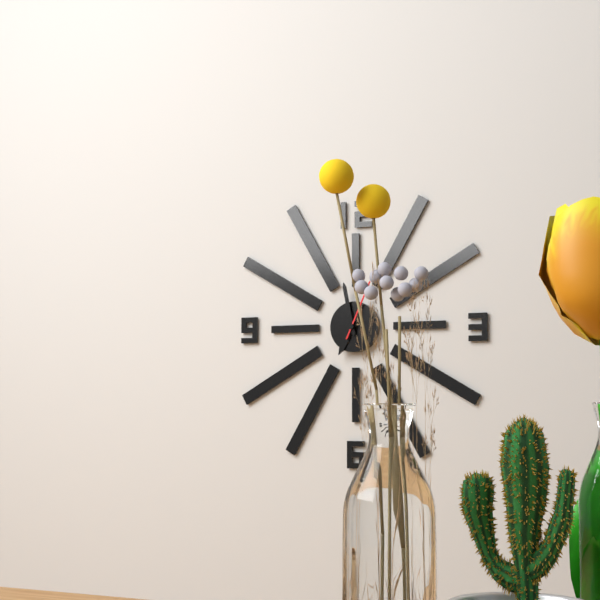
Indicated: 6,58,04
